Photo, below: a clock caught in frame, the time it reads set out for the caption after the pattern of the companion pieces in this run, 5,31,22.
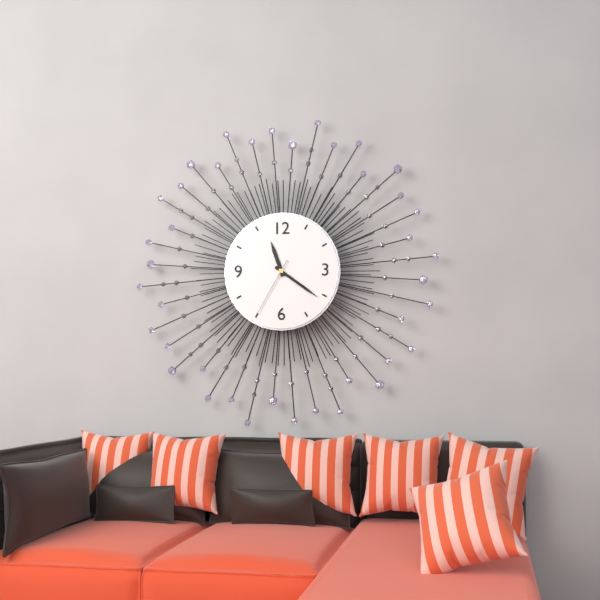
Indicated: 11,21,35
